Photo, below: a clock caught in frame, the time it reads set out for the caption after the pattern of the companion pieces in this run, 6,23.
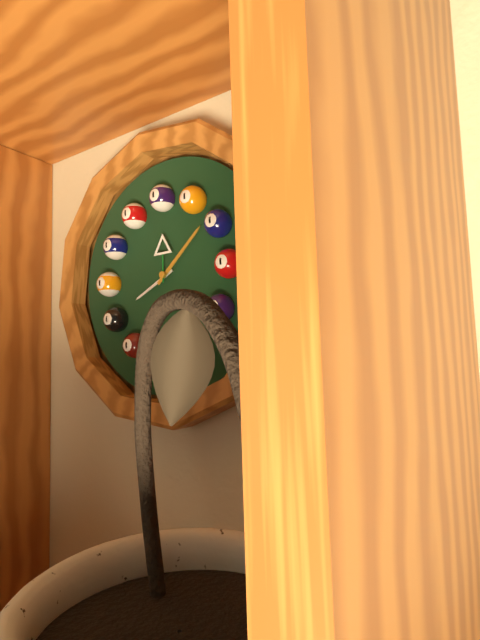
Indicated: 8,08
